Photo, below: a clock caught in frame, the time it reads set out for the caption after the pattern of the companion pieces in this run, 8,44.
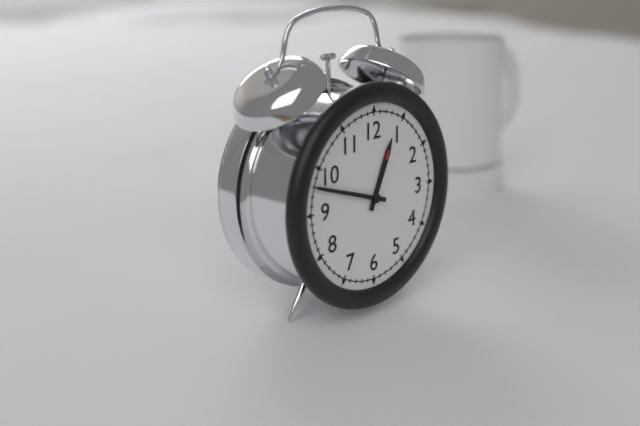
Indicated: 12,48
